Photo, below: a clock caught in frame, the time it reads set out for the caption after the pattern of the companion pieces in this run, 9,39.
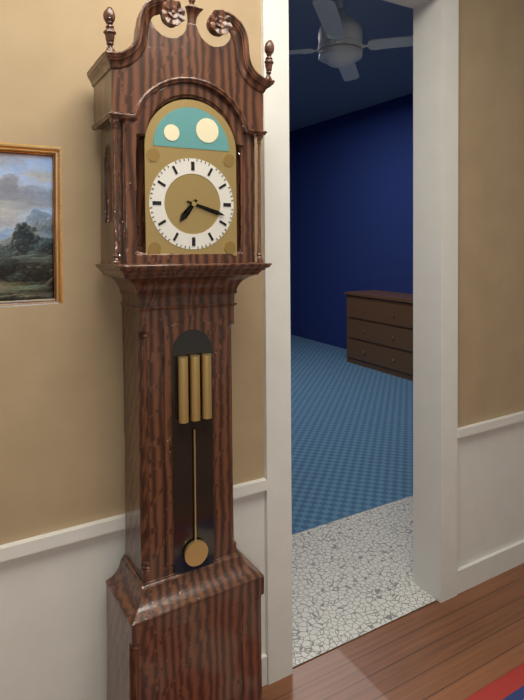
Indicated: 7,18
